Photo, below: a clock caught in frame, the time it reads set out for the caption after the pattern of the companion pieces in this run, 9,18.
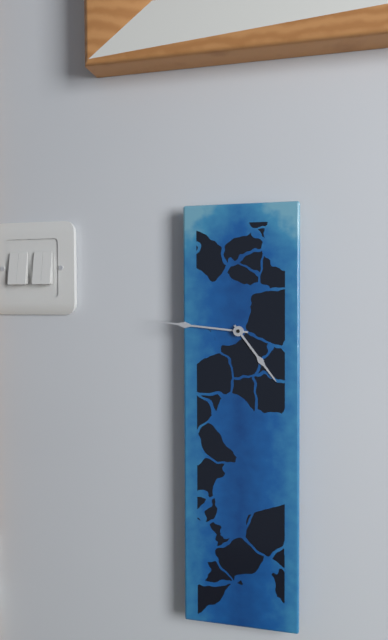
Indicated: 4,46
